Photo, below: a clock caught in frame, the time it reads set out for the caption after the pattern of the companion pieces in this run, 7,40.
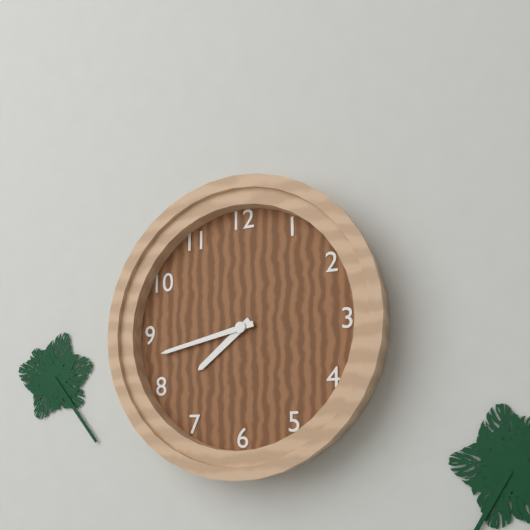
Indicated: 7,43
